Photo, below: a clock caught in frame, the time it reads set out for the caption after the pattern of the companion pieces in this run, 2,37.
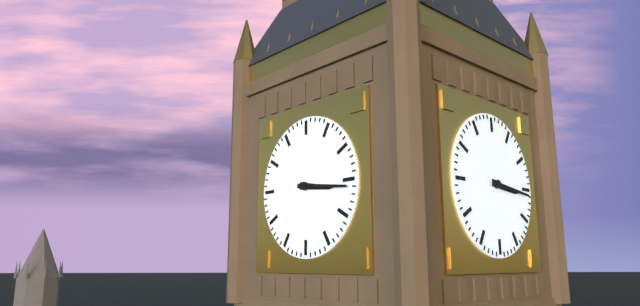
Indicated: 3,16
